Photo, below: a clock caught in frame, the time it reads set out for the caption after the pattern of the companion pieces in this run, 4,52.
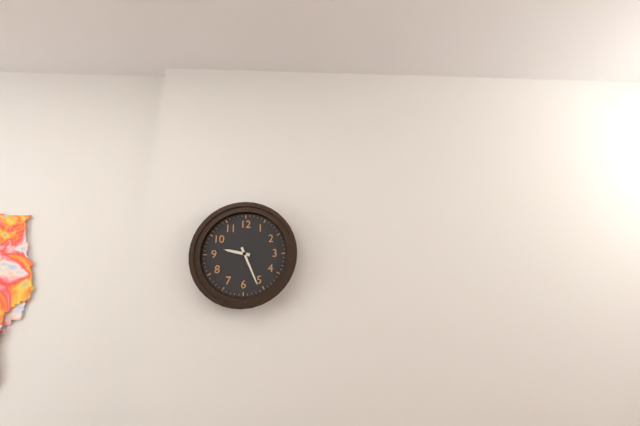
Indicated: 9,26
